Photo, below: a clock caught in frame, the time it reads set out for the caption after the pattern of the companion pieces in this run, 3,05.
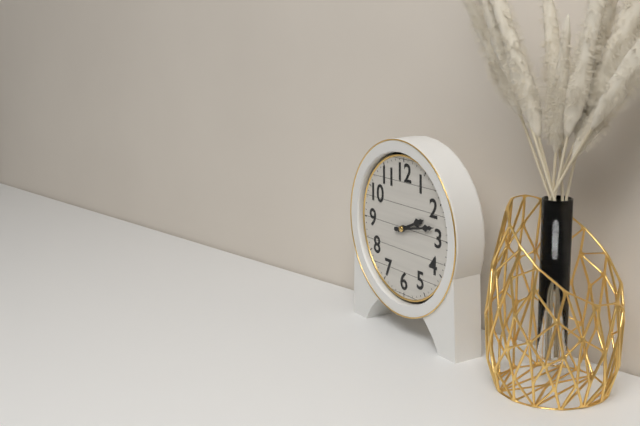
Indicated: 2,13
